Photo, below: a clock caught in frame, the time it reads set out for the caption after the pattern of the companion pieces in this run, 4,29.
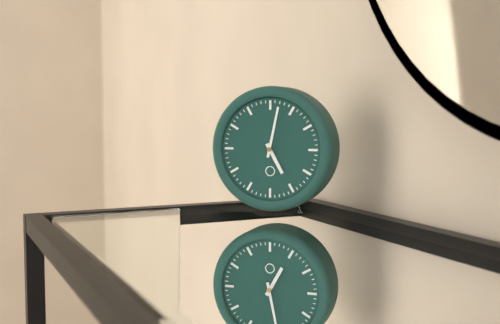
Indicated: 5,02
